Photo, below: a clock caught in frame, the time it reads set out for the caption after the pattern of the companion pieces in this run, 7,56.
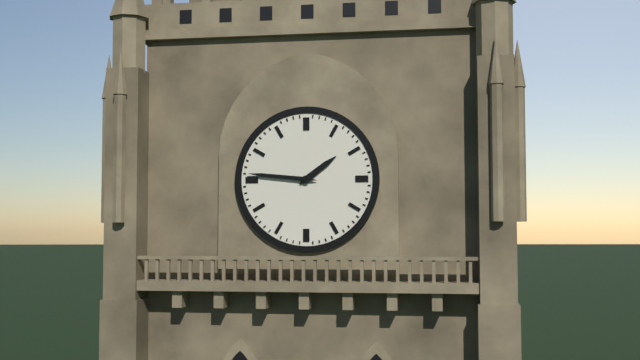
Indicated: 1,46
